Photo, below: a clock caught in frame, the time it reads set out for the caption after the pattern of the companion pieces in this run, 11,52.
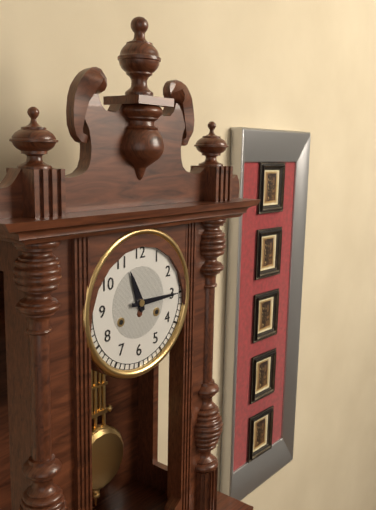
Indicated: 11,15
